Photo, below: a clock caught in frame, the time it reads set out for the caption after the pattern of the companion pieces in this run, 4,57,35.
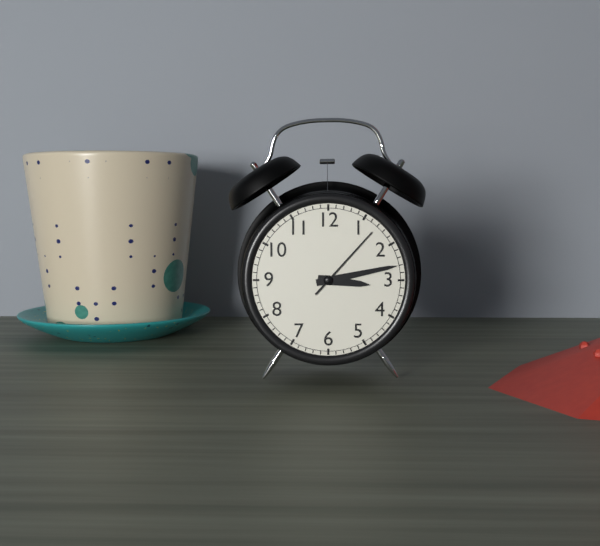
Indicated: 3,13,07
